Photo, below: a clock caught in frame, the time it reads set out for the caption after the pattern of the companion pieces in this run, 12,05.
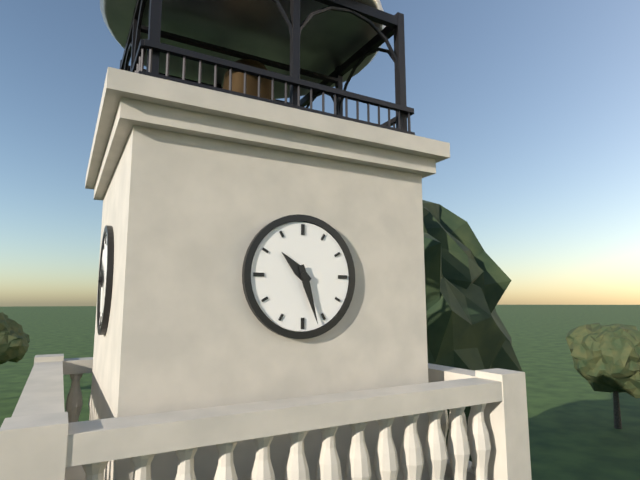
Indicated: 10,27
